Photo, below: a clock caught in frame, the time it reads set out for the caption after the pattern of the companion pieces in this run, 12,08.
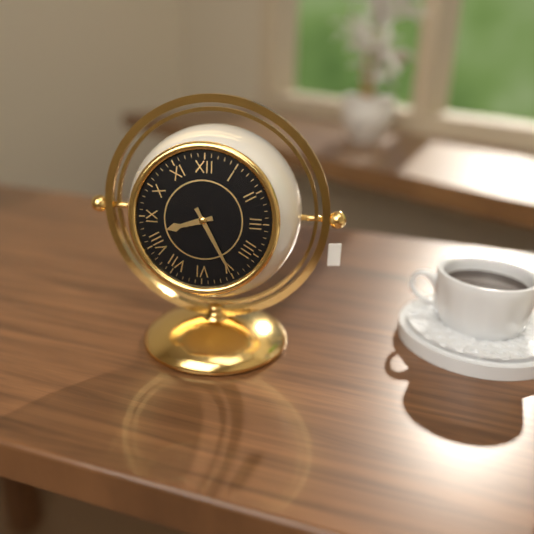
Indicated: 8,25
